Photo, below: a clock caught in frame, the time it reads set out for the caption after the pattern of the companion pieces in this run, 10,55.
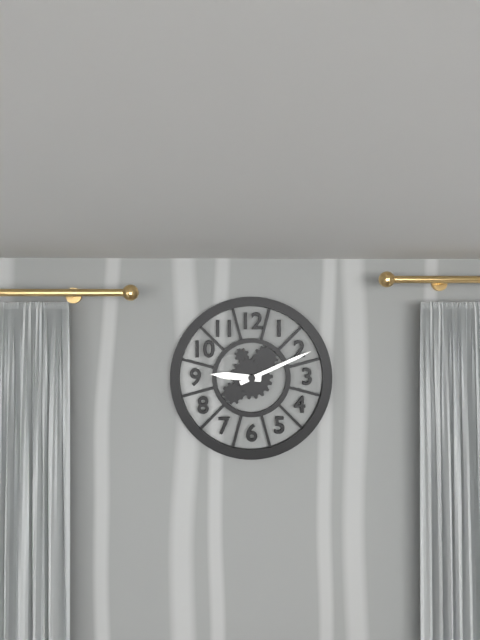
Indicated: 9,11
